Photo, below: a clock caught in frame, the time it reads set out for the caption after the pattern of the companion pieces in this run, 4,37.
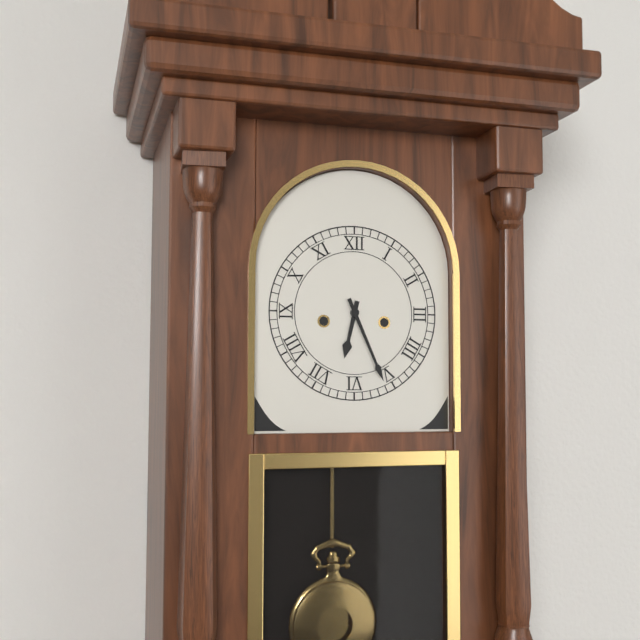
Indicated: 6,26
